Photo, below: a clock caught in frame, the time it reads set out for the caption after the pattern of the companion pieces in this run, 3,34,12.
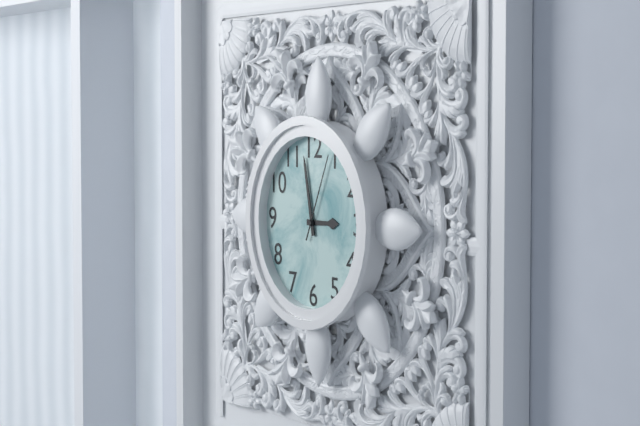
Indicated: 2,58,04
